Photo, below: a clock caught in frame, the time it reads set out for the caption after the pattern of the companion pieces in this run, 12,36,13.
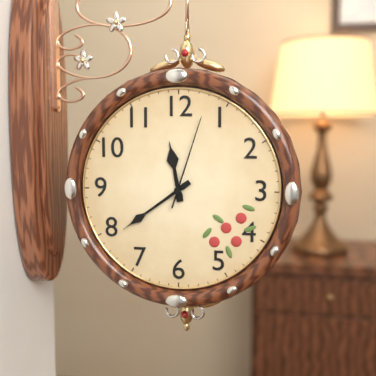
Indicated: 11,39,03
